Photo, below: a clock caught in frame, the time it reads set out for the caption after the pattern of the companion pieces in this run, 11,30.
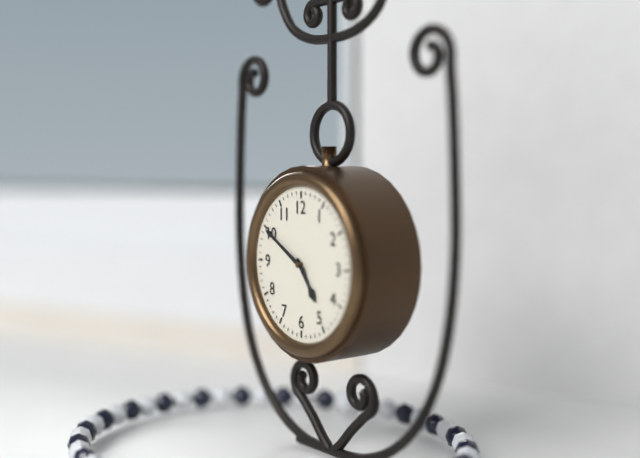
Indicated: 4,50
